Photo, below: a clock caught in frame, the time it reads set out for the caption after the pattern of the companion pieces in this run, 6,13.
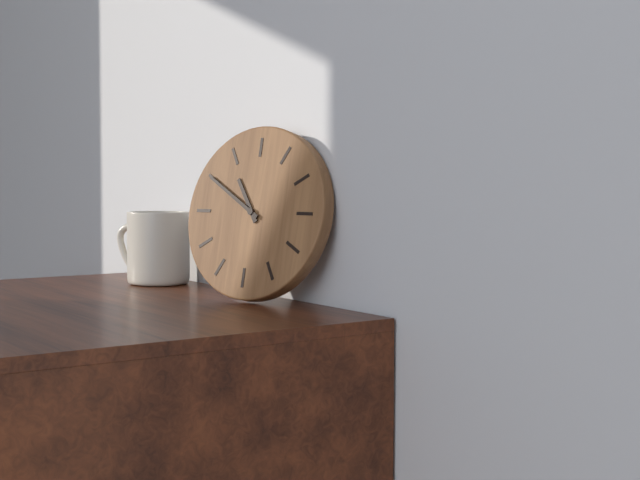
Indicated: 10,50
